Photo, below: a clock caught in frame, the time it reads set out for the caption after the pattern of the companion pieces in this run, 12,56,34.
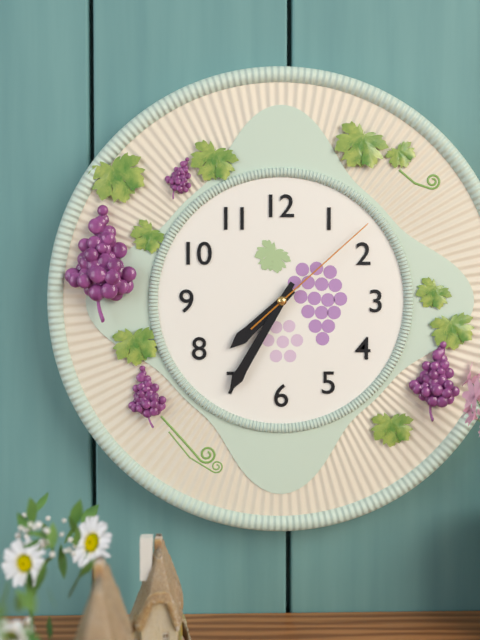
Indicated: 7,35,08
